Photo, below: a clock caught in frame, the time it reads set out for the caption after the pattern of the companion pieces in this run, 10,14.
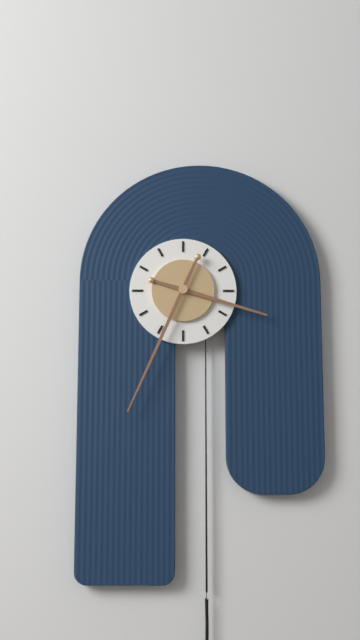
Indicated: 3,34
